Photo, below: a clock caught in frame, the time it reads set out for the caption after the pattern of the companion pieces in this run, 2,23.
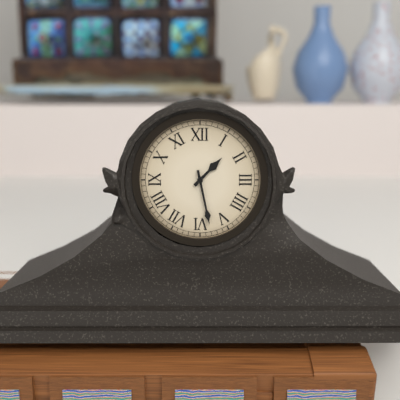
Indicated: 1,28
